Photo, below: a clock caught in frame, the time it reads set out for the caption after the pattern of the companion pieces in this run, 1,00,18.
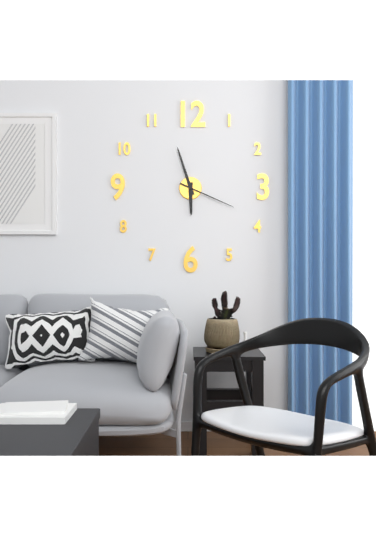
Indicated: 5,57,19
